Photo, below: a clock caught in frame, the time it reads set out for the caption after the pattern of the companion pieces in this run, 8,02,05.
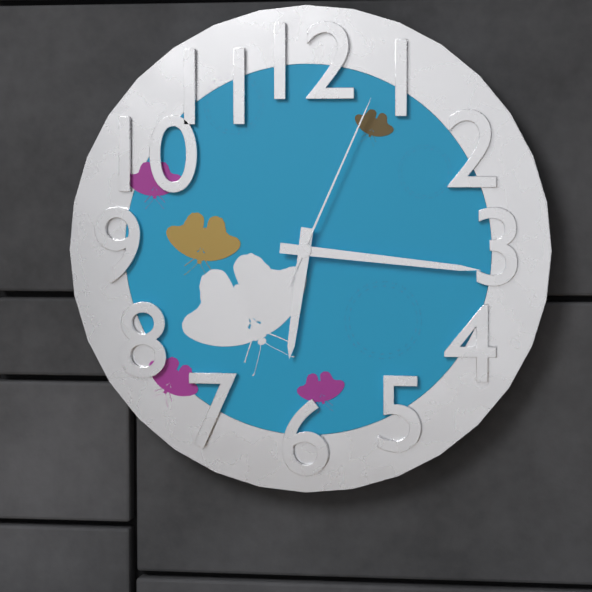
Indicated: 6,16,04
